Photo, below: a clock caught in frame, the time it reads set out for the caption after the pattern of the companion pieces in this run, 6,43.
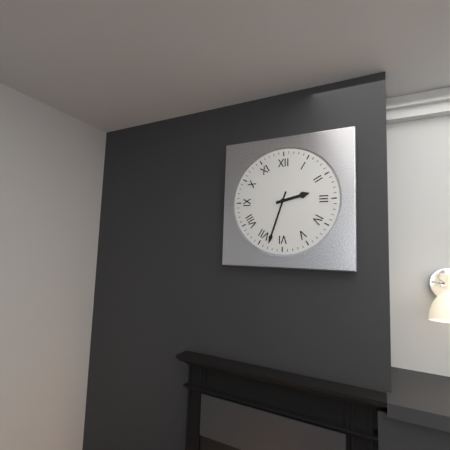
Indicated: 2,33
